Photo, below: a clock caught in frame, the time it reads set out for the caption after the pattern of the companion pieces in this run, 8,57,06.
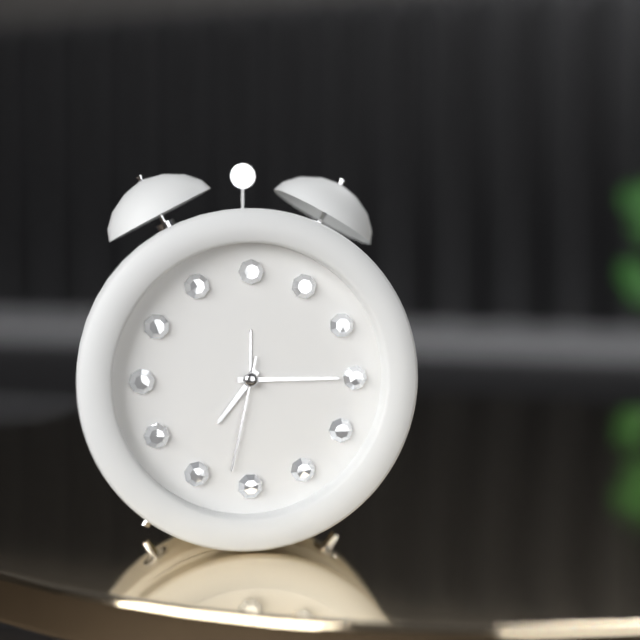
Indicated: 7,15,32
